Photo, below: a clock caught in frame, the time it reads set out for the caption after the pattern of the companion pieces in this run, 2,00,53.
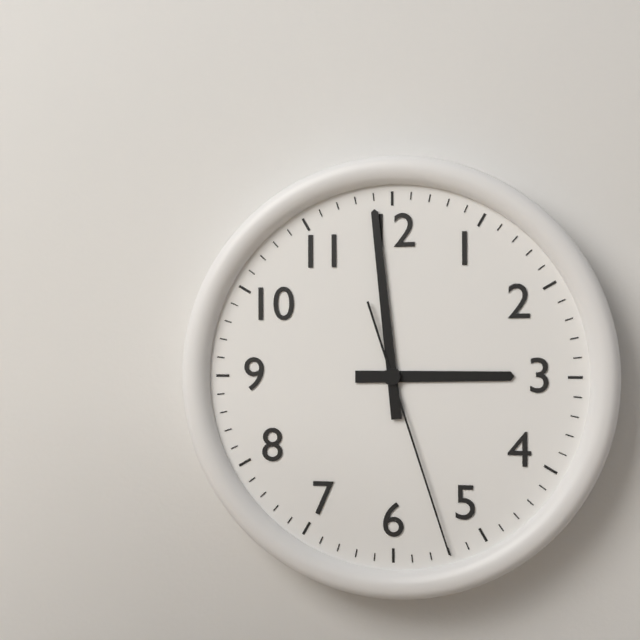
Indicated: 2,59,27
